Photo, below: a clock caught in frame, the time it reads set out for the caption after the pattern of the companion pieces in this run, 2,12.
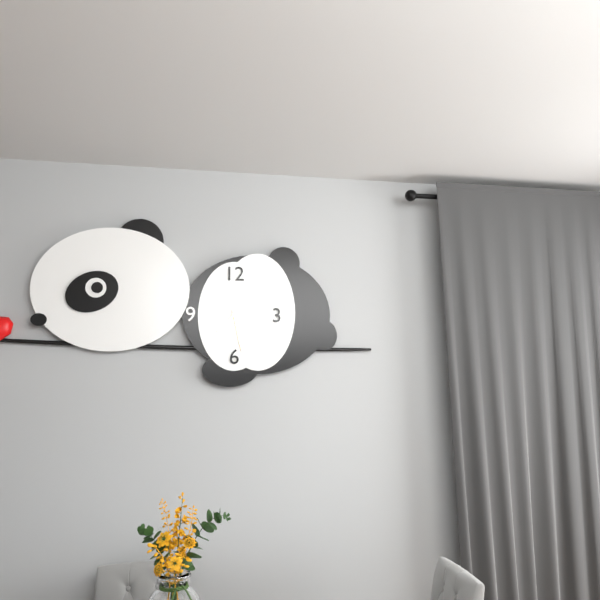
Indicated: 7,28
